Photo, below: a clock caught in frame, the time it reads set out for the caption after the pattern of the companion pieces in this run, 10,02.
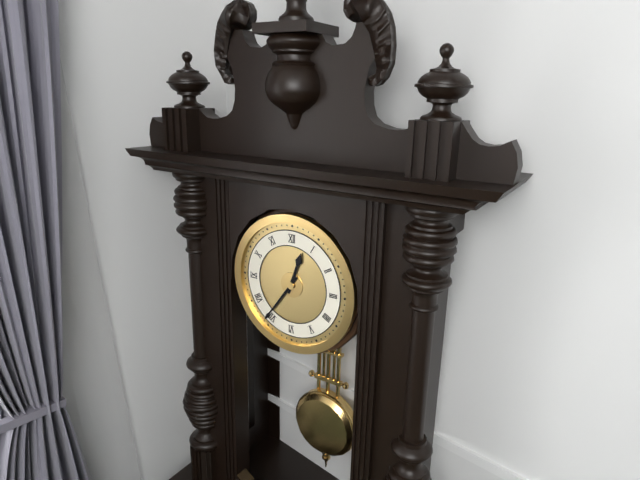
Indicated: 12,36
